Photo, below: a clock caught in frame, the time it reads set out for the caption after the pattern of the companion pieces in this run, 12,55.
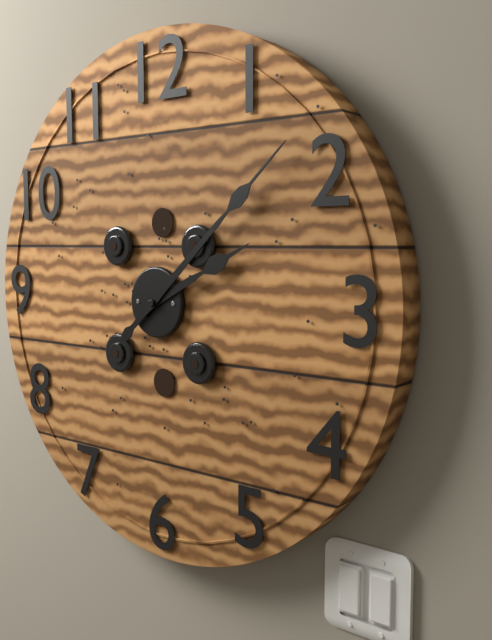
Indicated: 2,08
